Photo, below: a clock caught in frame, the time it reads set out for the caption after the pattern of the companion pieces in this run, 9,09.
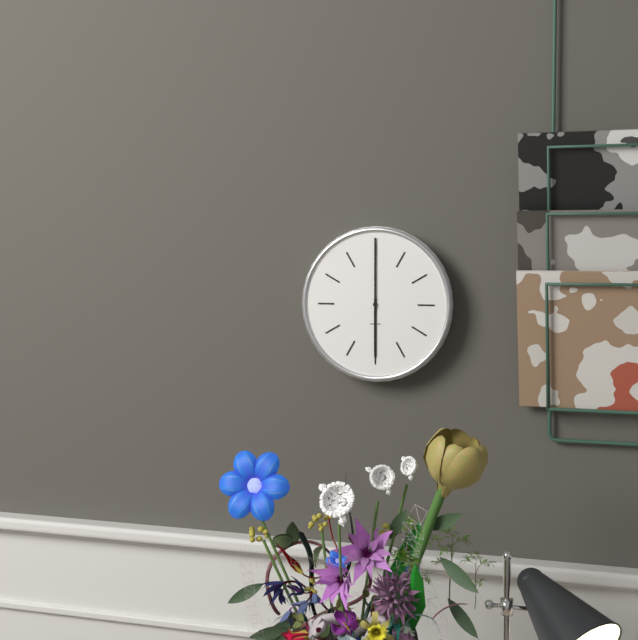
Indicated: 6,00
